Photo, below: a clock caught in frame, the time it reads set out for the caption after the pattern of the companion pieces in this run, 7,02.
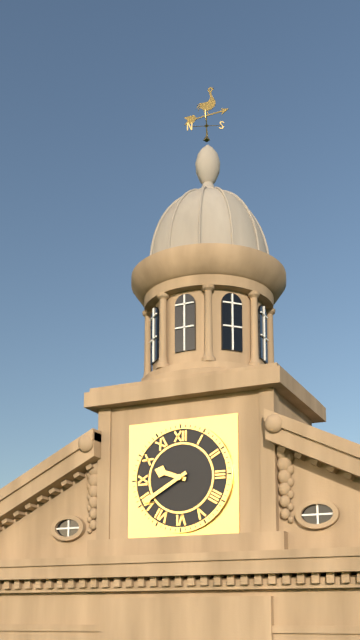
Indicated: 9,40
